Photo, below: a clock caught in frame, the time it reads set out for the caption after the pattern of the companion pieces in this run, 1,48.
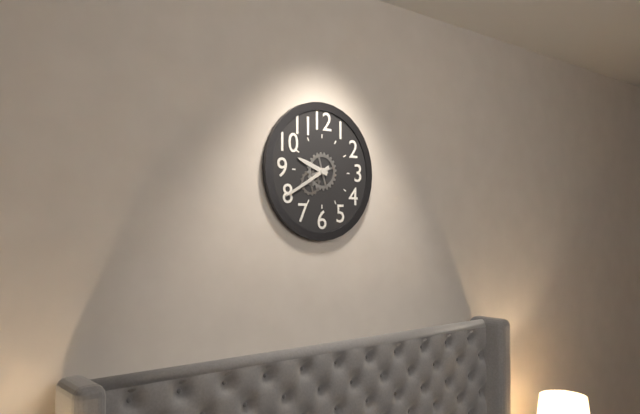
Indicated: 9,40
